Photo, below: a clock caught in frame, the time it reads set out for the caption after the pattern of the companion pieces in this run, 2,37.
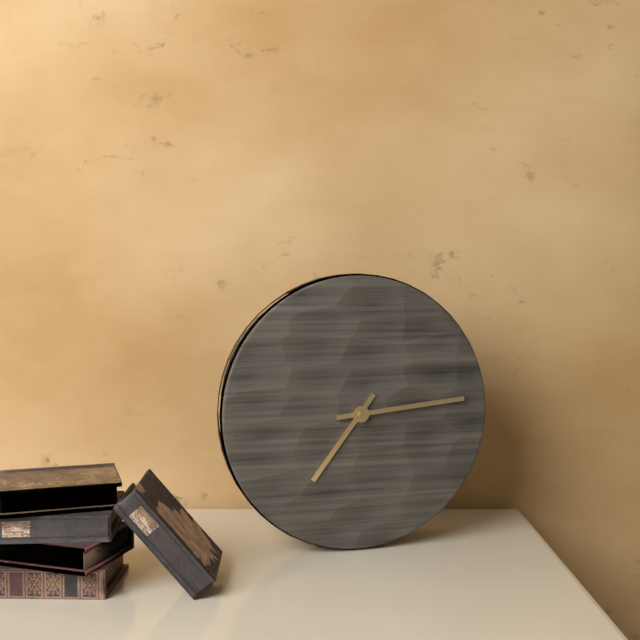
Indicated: 7,14
